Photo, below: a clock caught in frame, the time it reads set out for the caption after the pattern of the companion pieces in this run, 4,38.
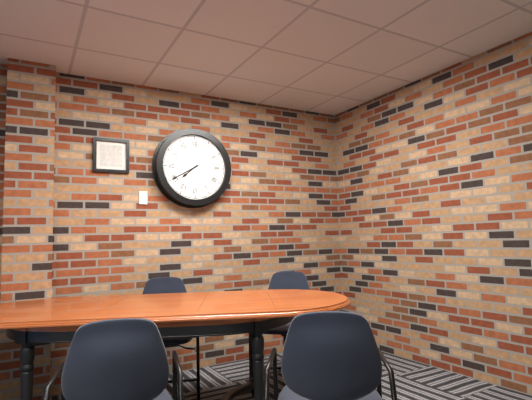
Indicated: 7,40
